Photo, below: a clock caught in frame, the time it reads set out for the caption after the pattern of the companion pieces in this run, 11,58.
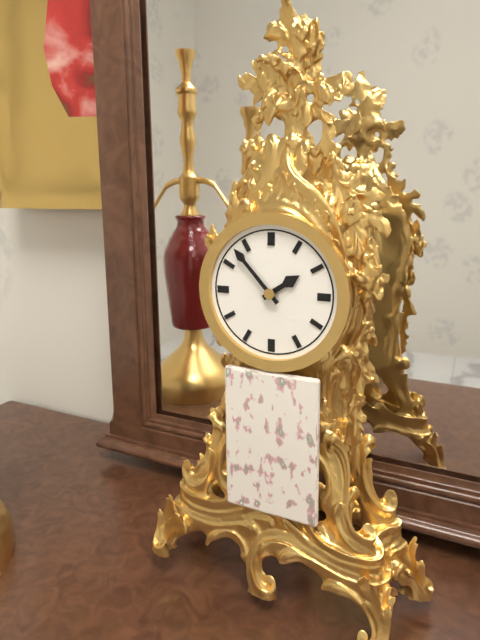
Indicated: 1,53
